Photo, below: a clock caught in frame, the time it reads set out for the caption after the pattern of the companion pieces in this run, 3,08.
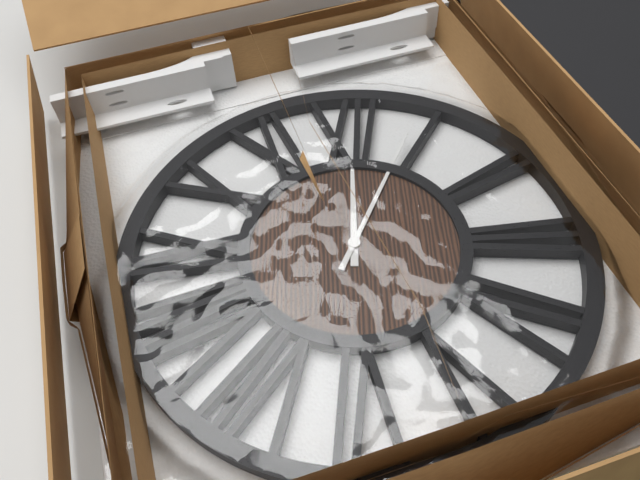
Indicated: 12,04
